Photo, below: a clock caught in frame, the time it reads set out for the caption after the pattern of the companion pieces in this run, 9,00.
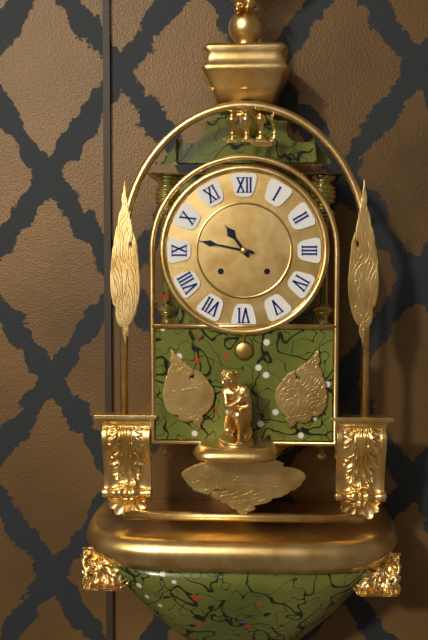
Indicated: 10,47
